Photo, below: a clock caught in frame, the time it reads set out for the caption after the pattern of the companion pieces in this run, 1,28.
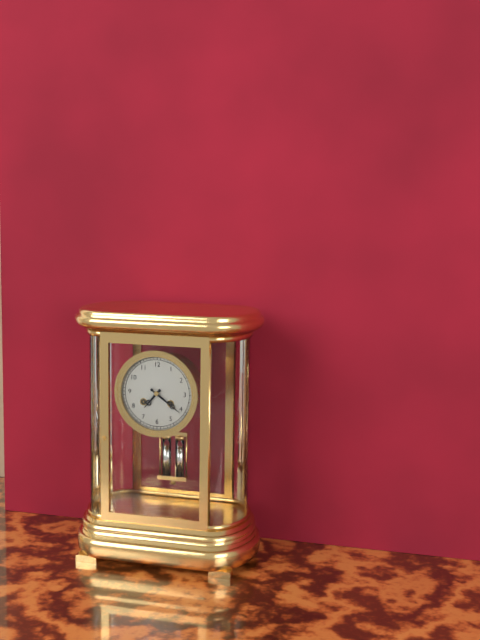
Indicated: 7,21
